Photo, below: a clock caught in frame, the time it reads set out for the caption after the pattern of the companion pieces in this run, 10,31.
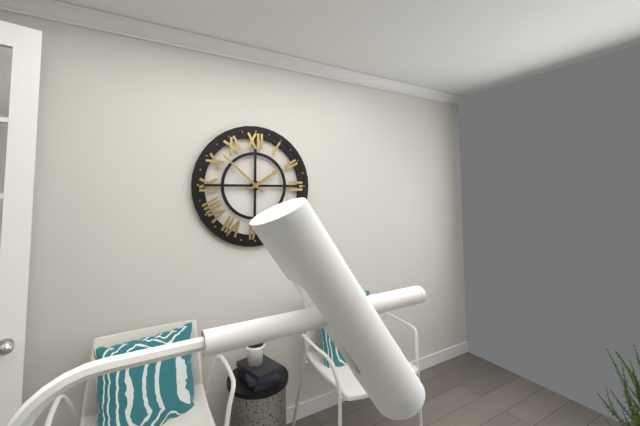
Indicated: 1,52
